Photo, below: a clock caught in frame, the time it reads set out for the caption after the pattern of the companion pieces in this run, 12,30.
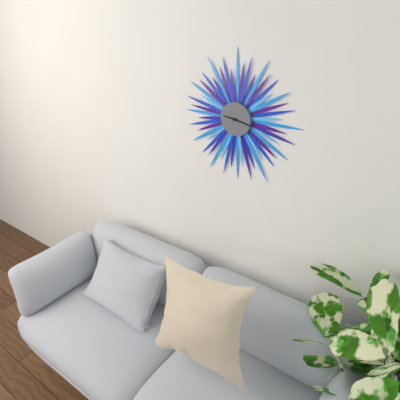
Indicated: 9,17
